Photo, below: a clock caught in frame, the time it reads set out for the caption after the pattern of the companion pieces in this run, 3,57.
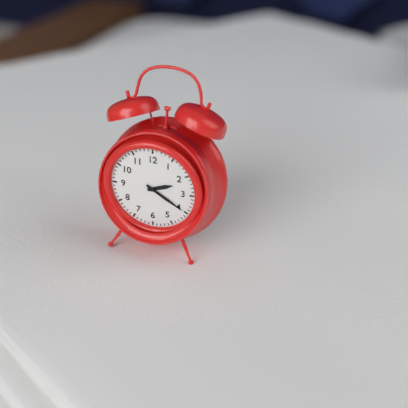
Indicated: 2,20
